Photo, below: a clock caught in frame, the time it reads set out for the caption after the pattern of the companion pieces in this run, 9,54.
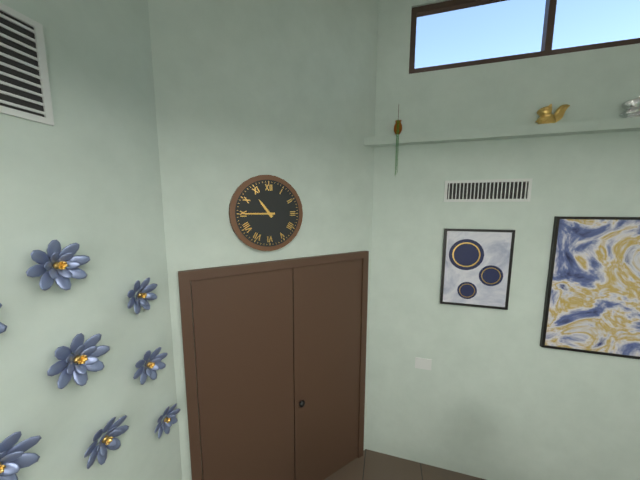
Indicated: 10,45
